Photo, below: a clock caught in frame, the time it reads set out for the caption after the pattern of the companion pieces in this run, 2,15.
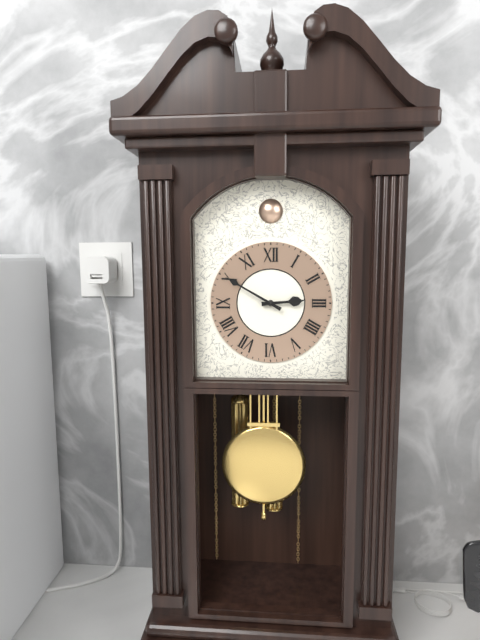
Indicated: 2,50
